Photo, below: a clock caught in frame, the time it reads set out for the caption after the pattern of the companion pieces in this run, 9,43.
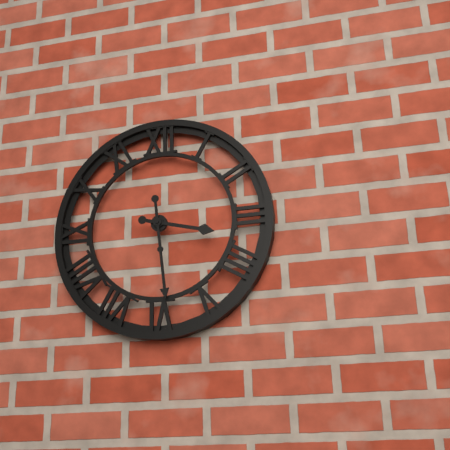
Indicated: 3,29
